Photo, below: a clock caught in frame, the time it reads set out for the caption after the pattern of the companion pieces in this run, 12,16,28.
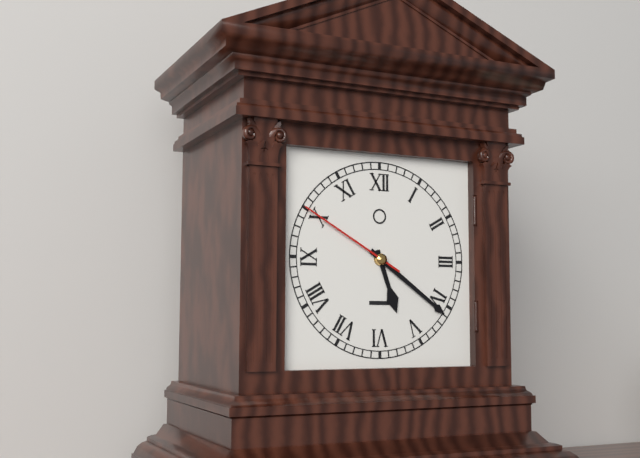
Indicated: 5,21,50
